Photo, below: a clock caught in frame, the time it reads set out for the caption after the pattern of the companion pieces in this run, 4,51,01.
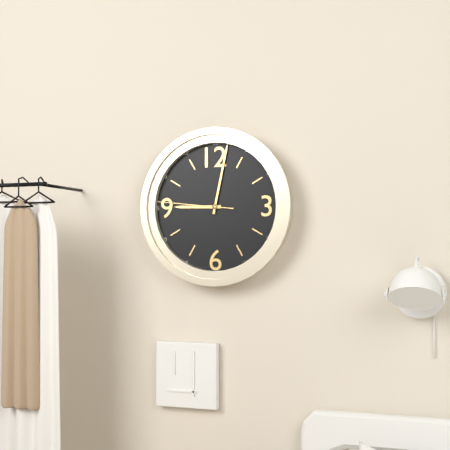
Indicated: 9,02,46
